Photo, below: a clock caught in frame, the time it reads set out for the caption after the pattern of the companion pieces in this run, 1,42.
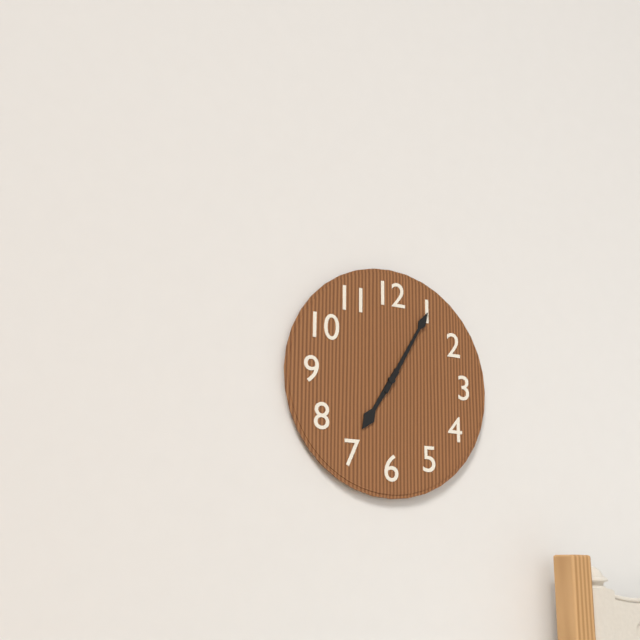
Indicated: 7,05
